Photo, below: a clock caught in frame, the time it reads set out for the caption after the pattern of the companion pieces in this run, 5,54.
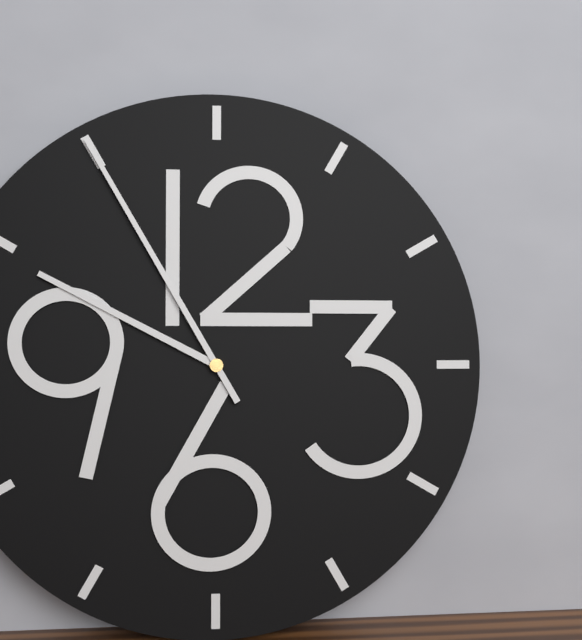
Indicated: 9,55
